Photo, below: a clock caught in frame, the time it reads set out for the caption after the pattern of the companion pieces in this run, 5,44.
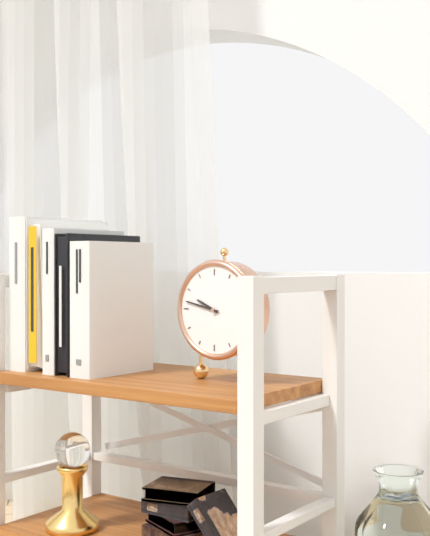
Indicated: 9,47
